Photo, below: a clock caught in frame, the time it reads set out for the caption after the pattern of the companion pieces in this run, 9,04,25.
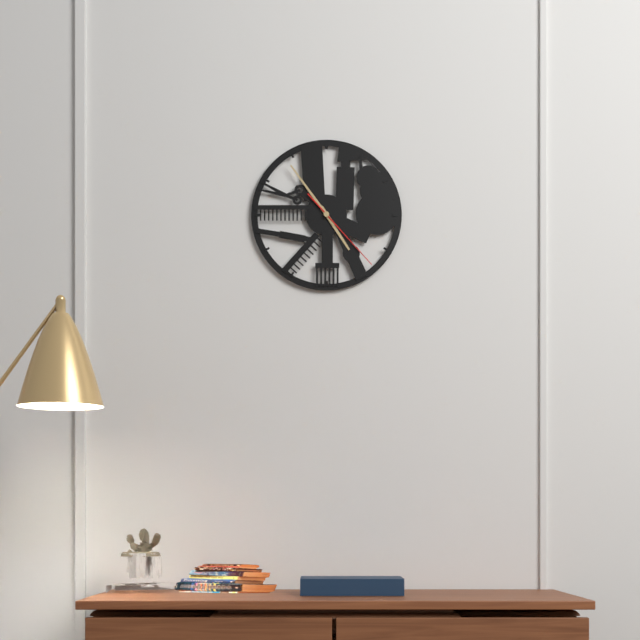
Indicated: 4,54,23
